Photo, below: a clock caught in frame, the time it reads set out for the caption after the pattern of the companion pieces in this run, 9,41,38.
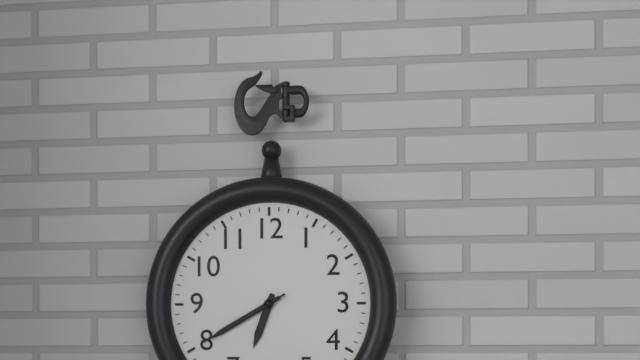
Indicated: 6,40,40
